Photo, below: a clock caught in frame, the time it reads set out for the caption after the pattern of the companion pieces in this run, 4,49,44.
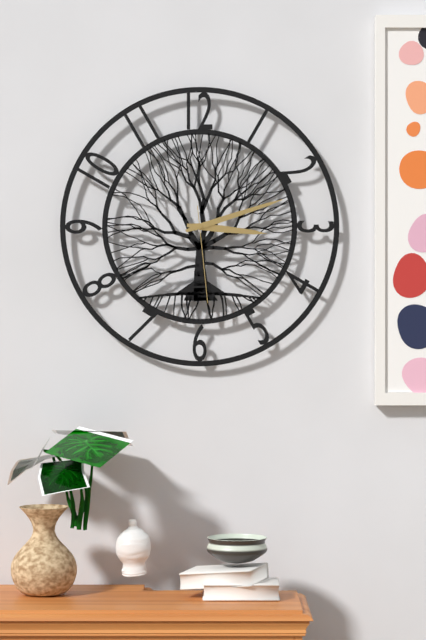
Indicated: 3,12,29
